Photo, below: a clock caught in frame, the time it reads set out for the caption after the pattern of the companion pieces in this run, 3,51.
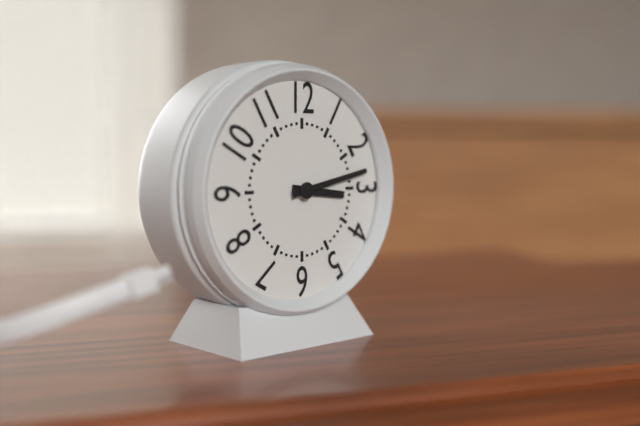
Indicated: 3,13
